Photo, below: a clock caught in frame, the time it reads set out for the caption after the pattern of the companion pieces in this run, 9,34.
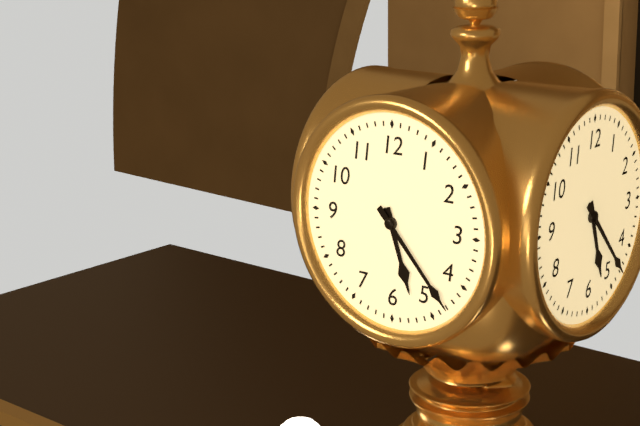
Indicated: 5,23
